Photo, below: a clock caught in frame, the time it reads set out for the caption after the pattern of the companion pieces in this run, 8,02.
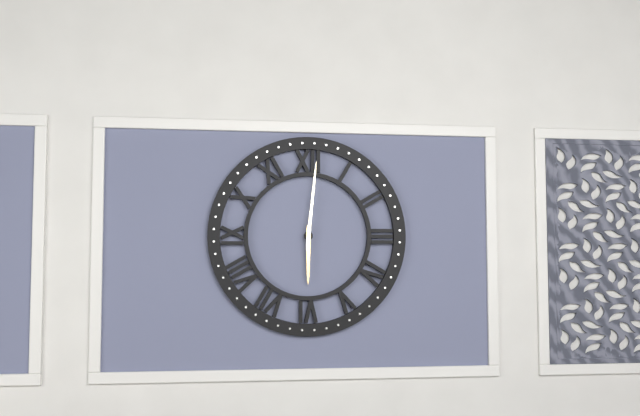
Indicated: 6,01
